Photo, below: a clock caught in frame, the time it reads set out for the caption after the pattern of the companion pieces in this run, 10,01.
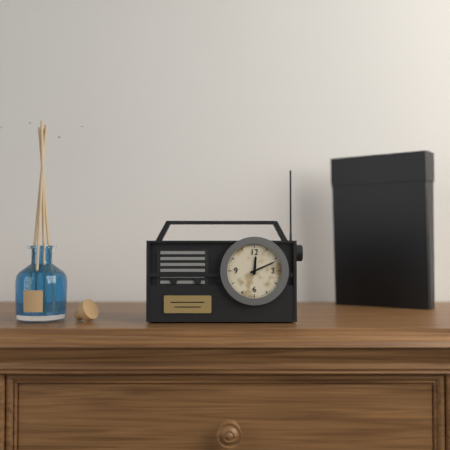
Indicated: 12,11
